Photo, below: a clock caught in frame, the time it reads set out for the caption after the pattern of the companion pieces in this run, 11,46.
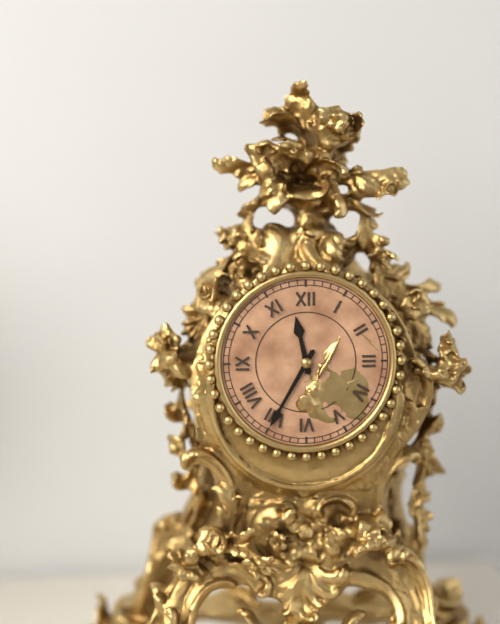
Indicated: 11,35
